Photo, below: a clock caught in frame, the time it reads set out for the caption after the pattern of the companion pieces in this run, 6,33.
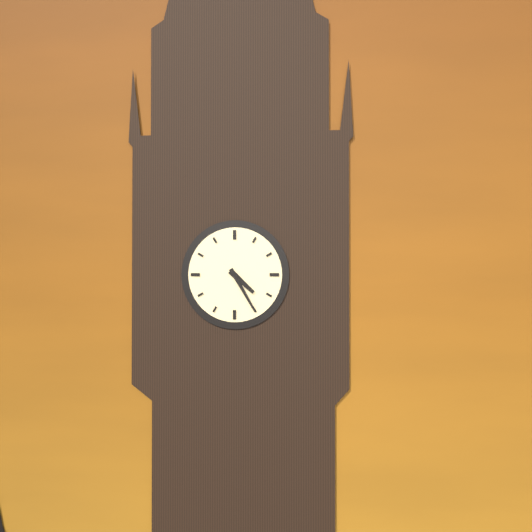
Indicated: 4,25
